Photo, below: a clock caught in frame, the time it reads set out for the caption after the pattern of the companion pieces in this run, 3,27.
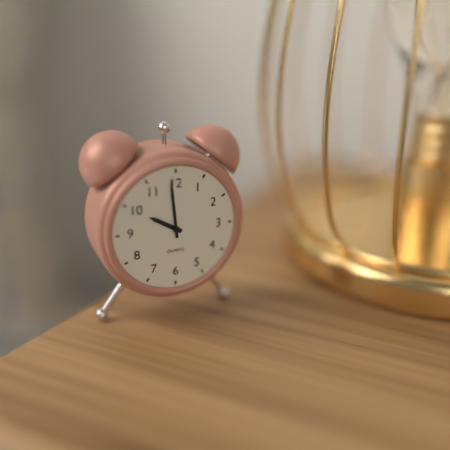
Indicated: 9,59
